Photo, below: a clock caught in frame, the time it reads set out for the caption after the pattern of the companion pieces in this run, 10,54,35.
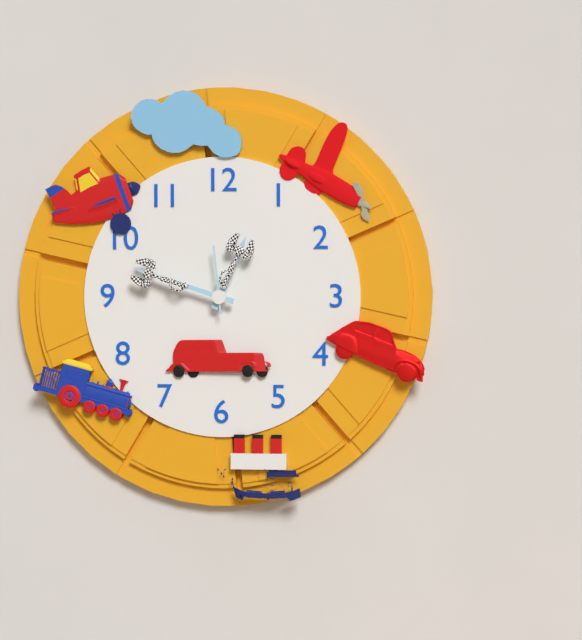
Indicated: 12,48,59
